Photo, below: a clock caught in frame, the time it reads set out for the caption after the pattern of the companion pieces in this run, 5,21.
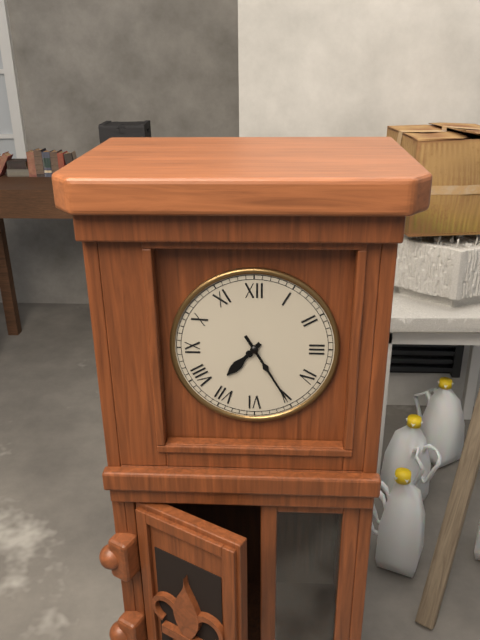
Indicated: 7,25
